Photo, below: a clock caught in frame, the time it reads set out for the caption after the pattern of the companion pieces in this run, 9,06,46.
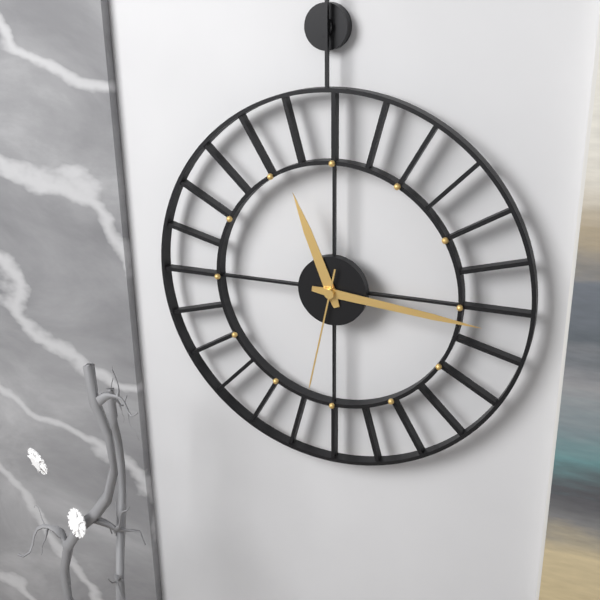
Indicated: 11,16,32
